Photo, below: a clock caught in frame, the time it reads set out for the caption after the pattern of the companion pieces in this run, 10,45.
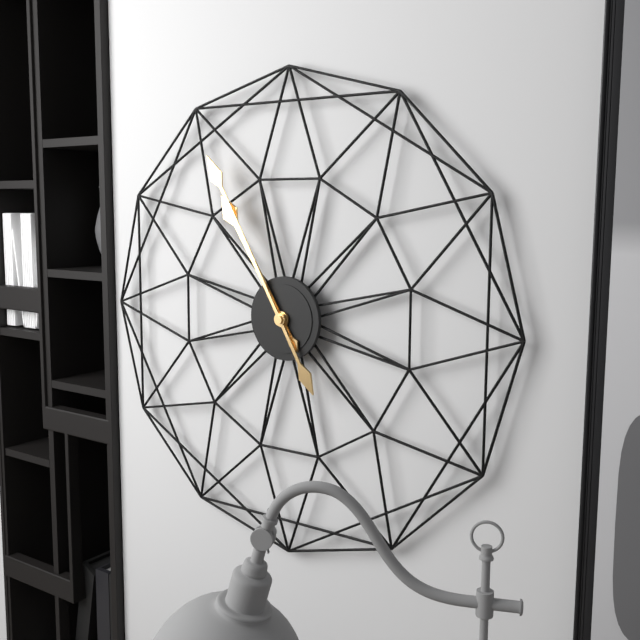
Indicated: 10,55
